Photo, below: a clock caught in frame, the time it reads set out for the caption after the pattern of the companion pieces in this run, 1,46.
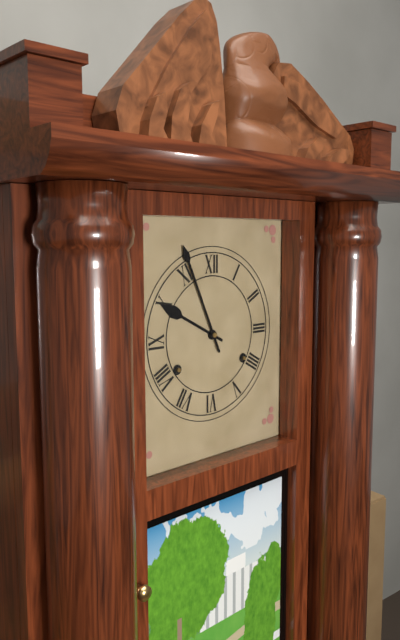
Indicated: 9,56
